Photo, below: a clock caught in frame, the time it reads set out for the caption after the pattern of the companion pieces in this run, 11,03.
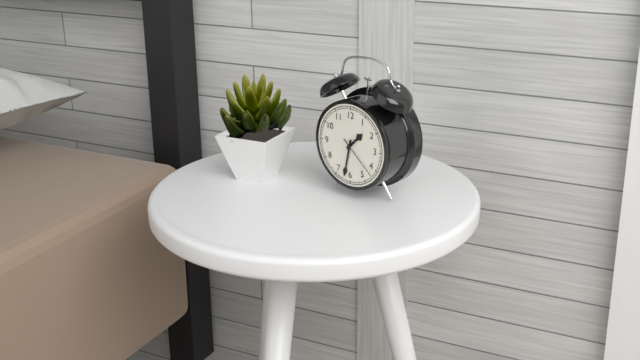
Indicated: 1,32
